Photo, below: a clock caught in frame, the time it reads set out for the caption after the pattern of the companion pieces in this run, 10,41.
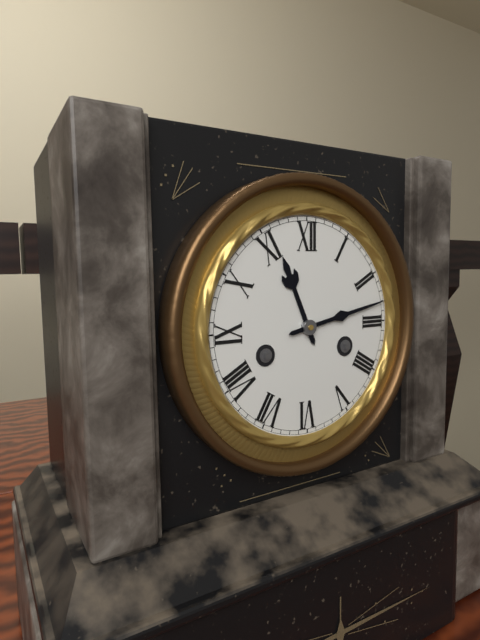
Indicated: 11,13
